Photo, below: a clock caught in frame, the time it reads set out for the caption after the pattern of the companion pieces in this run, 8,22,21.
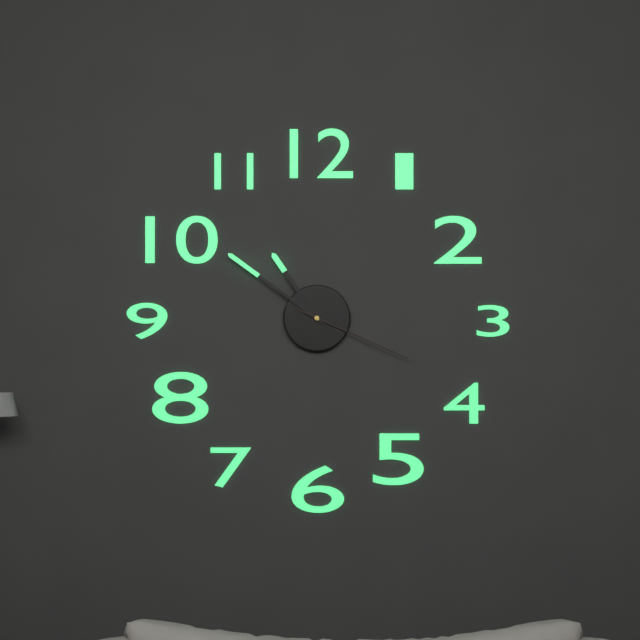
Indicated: 10,51,19
